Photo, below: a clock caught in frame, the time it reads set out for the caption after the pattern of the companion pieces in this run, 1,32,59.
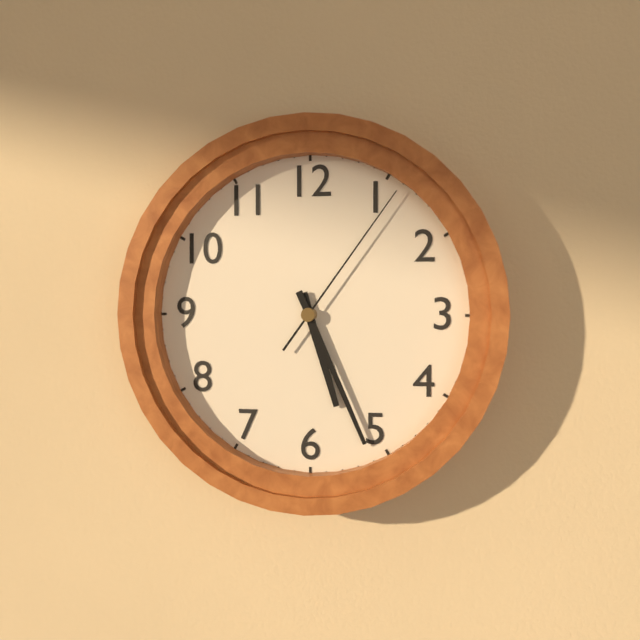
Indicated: 5,26,06
